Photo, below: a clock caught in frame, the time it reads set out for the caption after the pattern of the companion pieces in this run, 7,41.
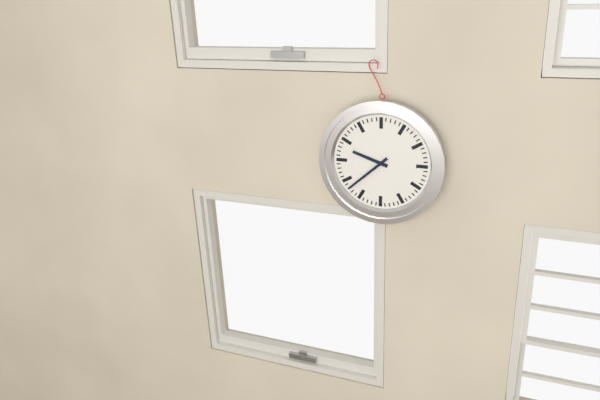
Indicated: 9,38
